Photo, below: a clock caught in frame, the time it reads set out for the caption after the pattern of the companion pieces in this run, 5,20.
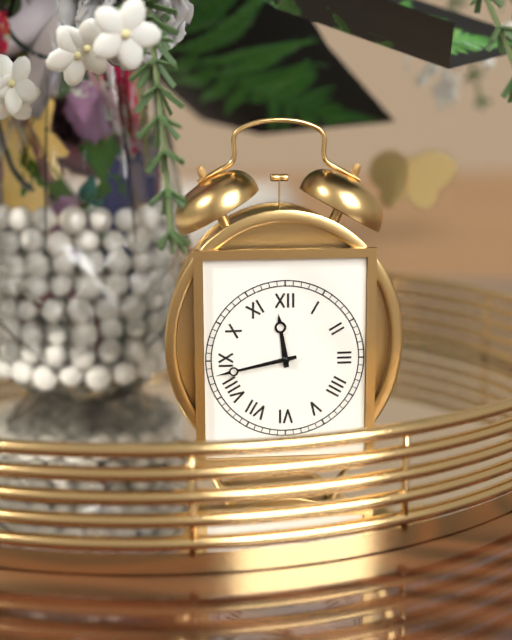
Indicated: 11,43
